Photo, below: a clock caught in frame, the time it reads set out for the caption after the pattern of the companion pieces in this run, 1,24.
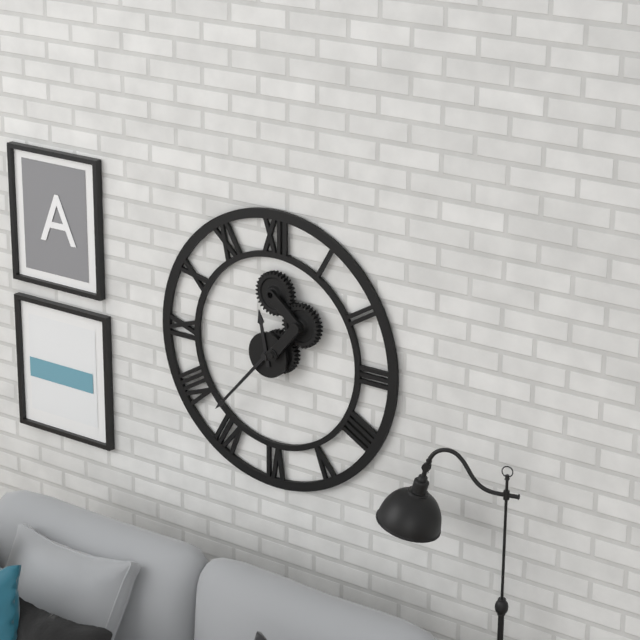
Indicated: 11,37
